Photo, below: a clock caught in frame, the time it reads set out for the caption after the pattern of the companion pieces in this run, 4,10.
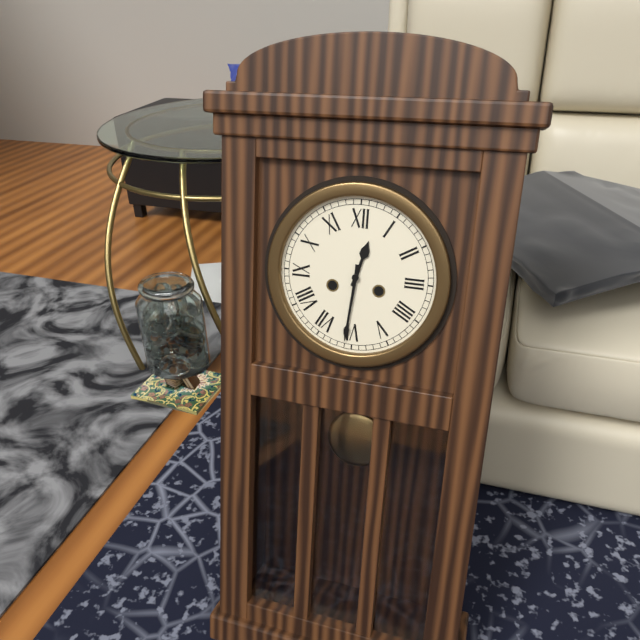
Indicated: 12,31
